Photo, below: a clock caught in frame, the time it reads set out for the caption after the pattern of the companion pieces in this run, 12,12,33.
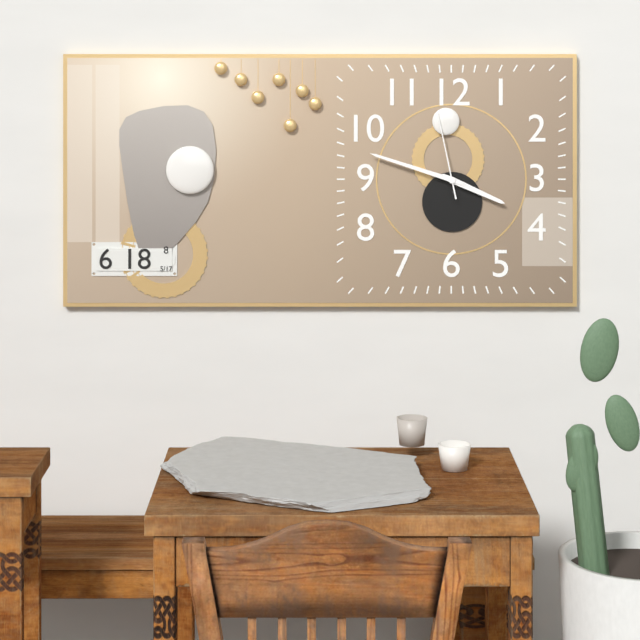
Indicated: 3,48,58
